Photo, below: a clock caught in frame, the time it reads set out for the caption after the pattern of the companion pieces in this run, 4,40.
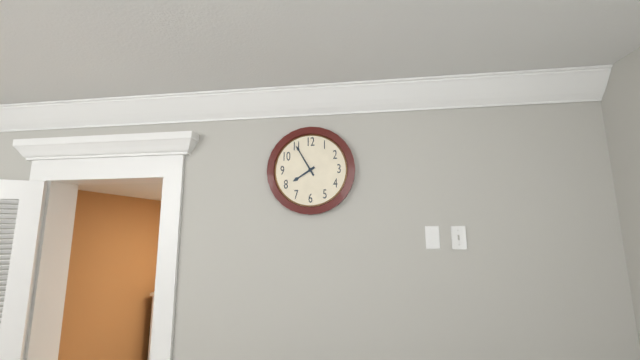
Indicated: 7,55
